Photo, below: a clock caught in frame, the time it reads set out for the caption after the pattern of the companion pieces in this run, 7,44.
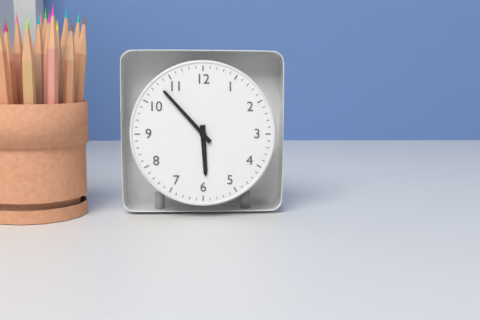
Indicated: 5,53
